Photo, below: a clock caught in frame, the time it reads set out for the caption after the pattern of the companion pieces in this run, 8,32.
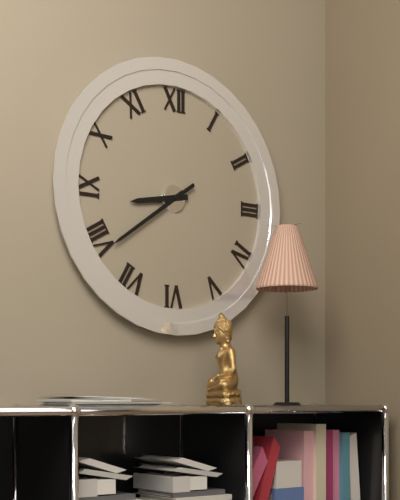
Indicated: 8,39
